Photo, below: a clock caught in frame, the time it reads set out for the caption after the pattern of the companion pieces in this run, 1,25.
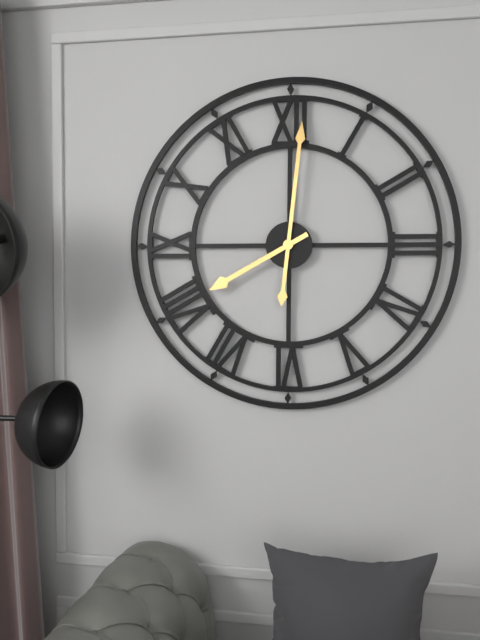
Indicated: 8,01
